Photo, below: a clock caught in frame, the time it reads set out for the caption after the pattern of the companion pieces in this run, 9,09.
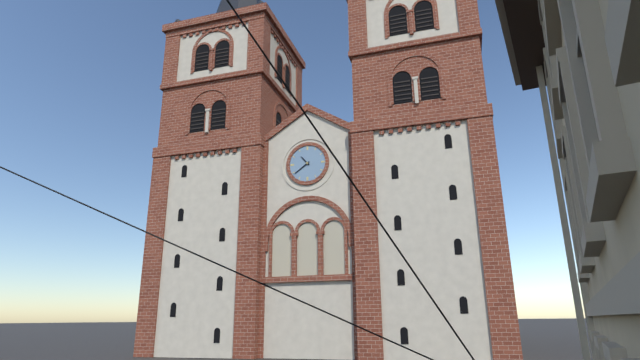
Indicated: 10,39
